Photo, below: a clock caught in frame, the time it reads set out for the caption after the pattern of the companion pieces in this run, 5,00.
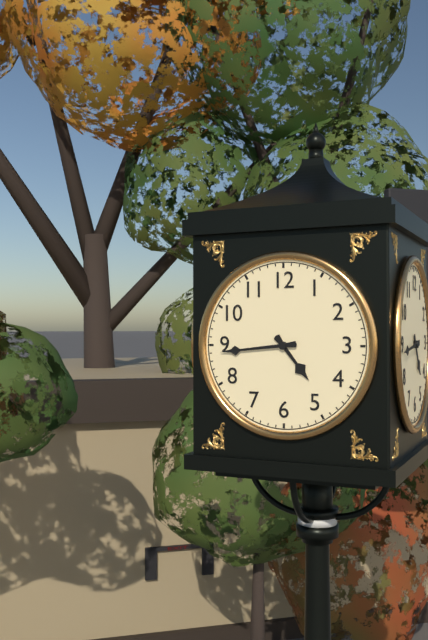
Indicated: 4,44
